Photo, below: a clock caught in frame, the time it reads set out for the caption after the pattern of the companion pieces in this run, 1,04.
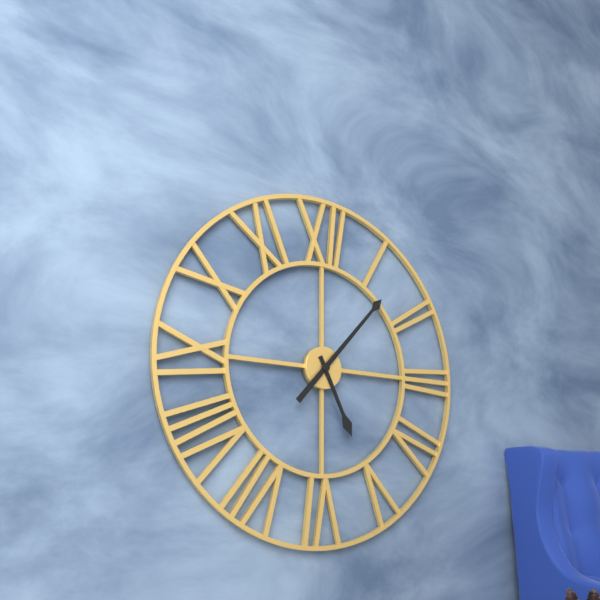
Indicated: 5,07
